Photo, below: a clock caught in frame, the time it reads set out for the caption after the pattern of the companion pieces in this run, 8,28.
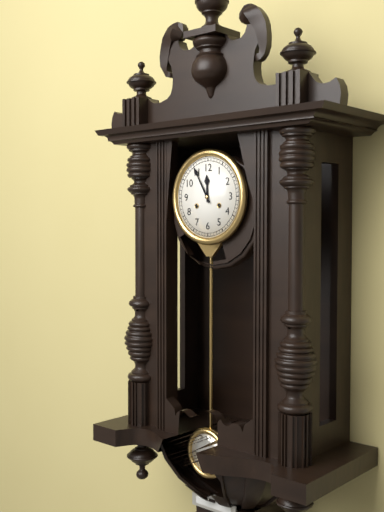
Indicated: 11,55
